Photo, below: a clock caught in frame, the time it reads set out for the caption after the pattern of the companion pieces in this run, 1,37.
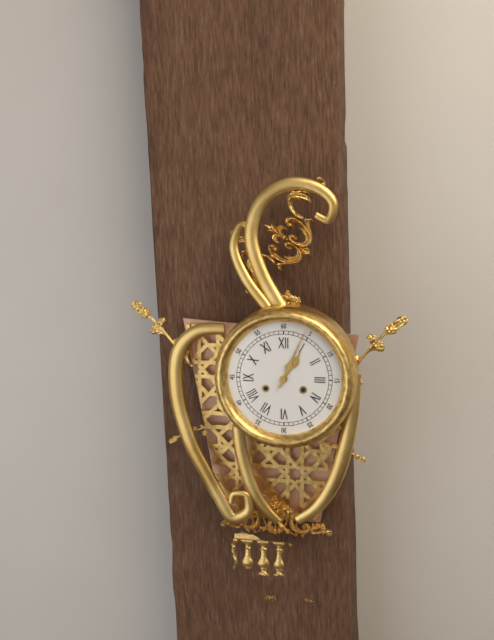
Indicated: 1,04
